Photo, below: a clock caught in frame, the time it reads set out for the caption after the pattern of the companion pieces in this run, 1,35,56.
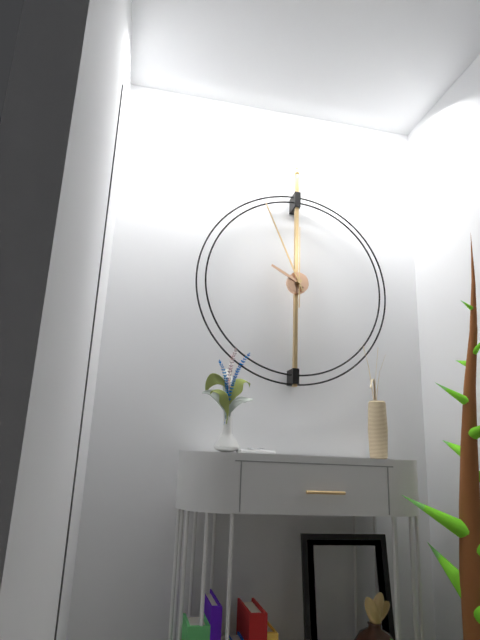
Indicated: 9,56,00
